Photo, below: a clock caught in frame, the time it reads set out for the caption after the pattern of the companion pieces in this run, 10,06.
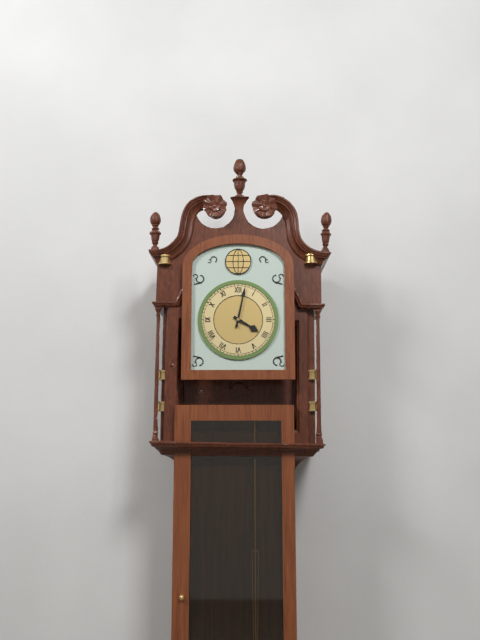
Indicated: 4,02
